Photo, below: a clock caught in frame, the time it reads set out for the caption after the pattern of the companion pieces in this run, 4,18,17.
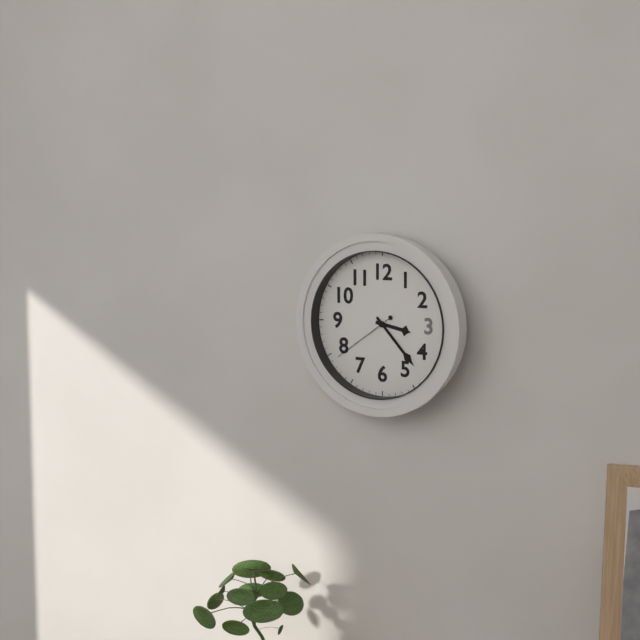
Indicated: 3,23,39
